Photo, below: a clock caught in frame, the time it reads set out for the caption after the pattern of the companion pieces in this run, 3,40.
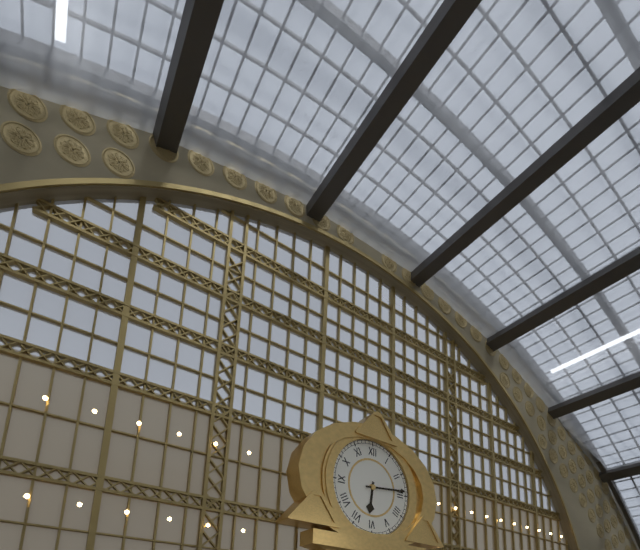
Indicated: 6,14
